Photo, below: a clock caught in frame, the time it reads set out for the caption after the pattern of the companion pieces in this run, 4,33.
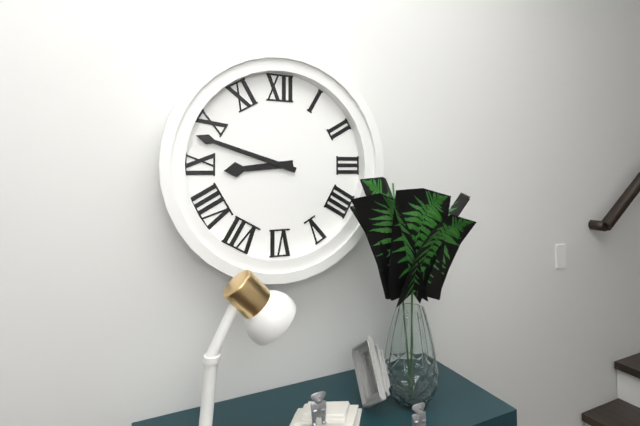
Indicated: 8,48
